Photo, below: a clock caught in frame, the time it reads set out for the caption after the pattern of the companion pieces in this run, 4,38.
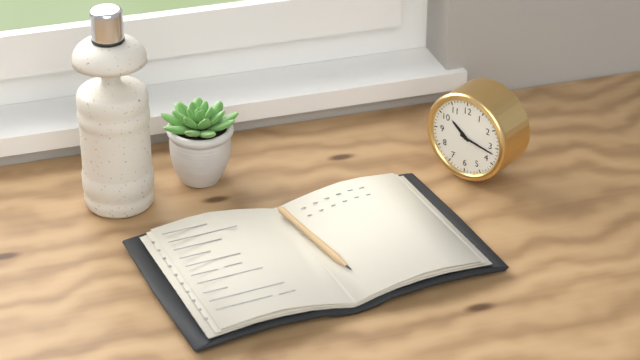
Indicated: 10,17
